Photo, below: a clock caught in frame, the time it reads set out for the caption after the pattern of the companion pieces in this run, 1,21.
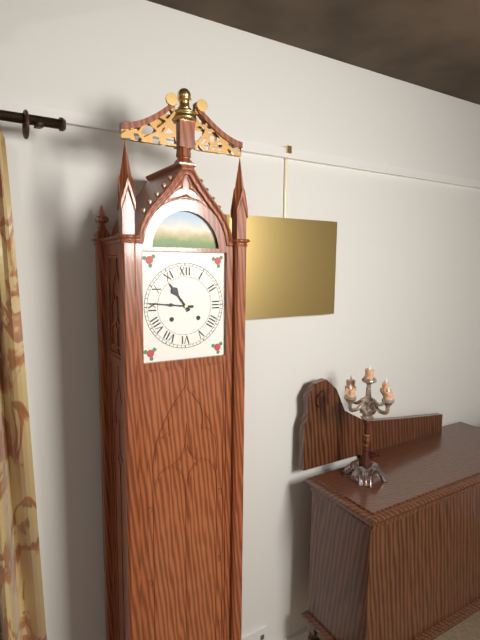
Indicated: 10,46
